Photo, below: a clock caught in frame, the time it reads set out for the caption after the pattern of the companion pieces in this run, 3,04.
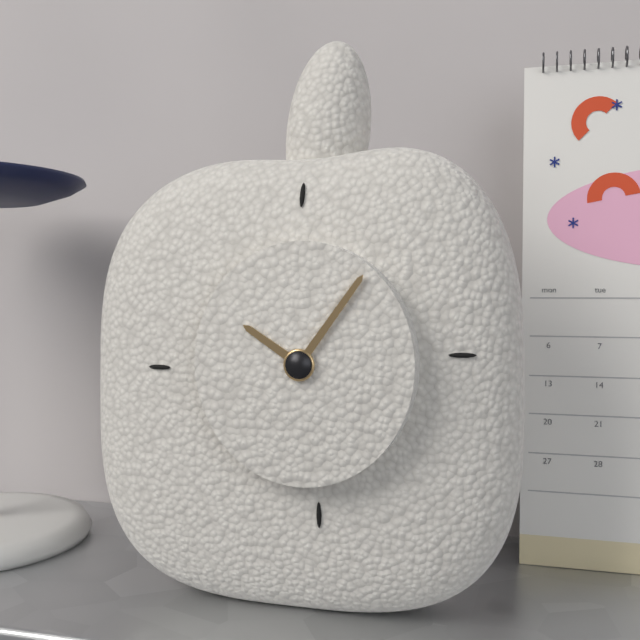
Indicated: 10,06
